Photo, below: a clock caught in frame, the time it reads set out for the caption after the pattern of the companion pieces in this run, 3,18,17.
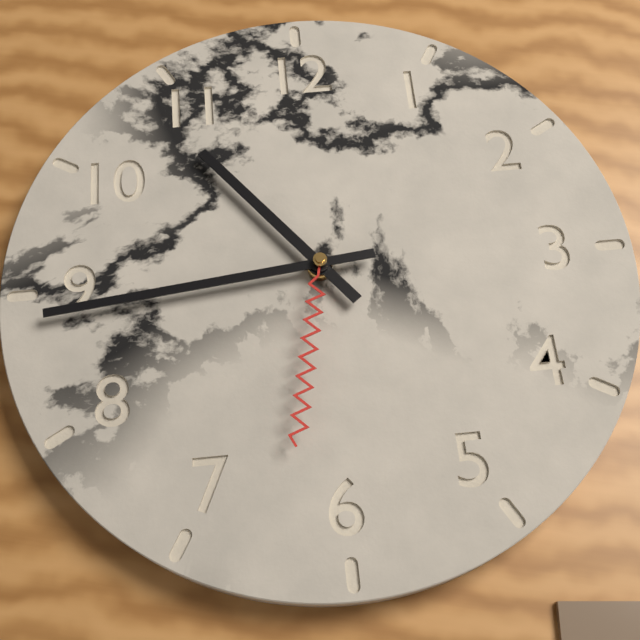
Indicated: 10,44,32
